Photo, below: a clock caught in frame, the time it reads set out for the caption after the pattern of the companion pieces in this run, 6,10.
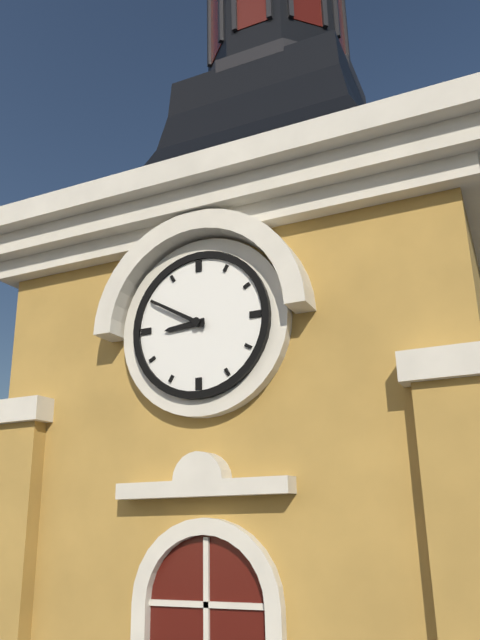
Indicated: 8,50
